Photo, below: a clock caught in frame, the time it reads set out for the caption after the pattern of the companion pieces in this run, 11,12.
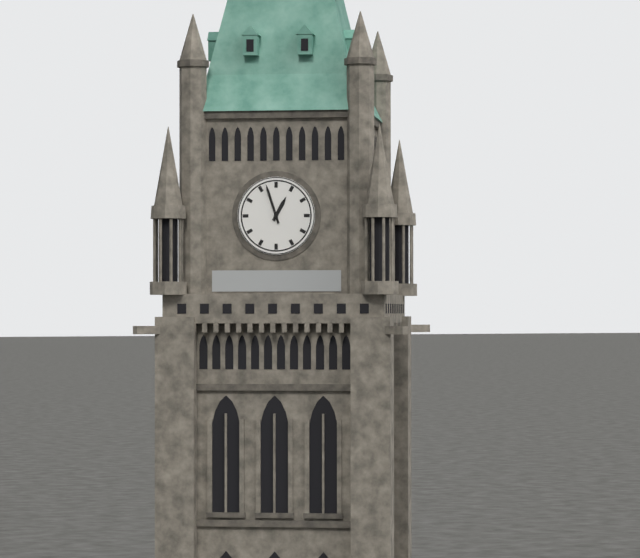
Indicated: 12,57
